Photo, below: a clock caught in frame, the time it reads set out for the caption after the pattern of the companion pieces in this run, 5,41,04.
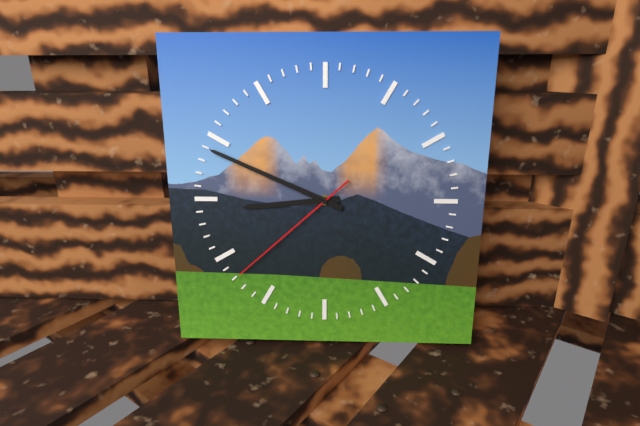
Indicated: 8,49,38
